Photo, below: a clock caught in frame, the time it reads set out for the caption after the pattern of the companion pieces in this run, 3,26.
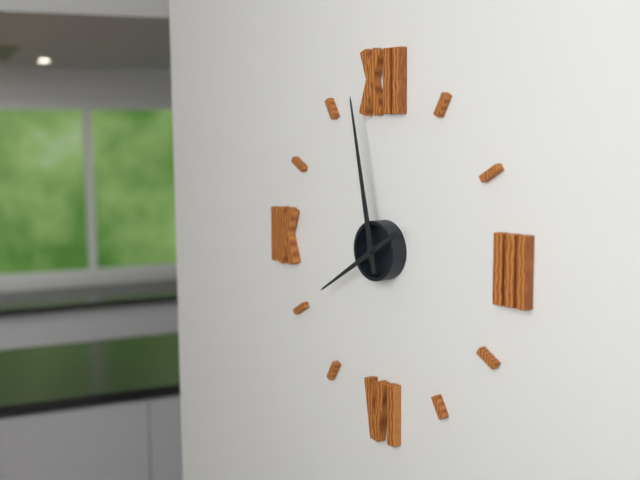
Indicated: 7,58
